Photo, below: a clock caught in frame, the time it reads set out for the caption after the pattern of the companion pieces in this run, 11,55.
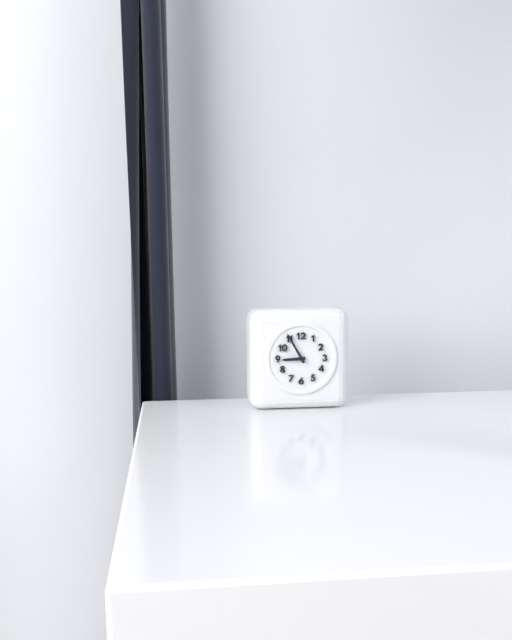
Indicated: 8,55
